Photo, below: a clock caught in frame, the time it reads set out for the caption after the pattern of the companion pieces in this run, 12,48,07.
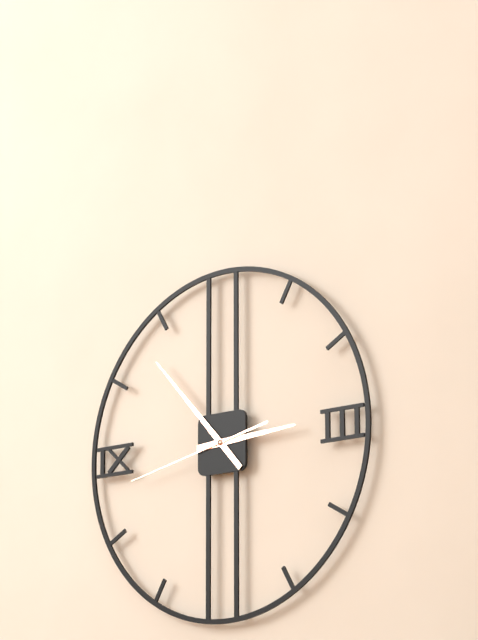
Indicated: 2,53,43
